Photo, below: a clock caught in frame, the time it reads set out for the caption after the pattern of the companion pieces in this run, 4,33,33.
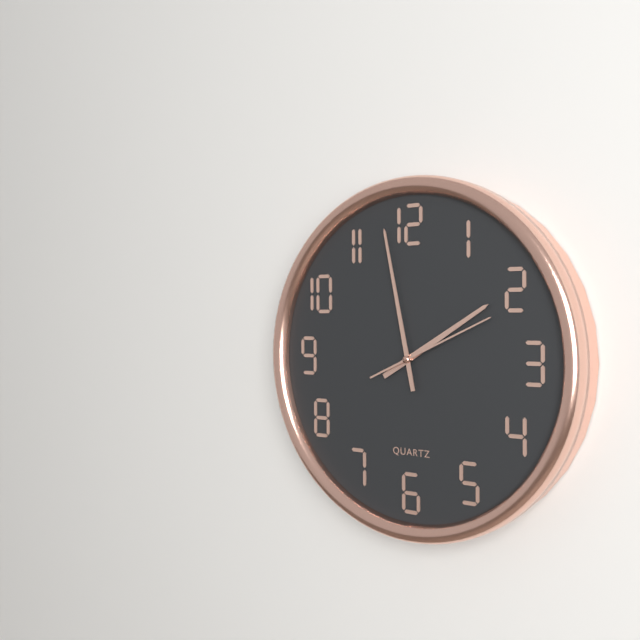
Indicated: 1,58,11
